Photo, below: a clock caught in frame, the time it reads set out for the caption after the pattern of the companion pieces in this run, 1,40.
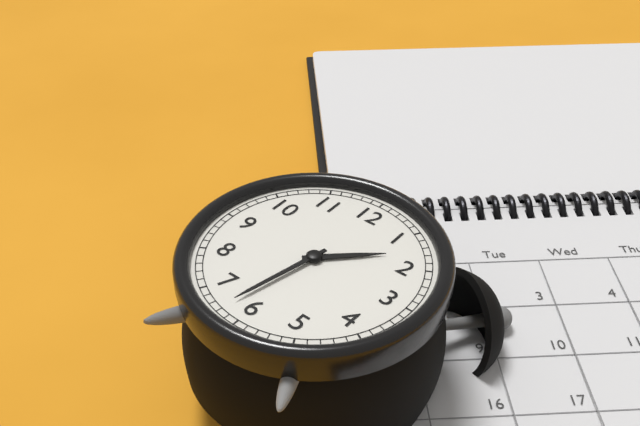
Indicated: 1,32
